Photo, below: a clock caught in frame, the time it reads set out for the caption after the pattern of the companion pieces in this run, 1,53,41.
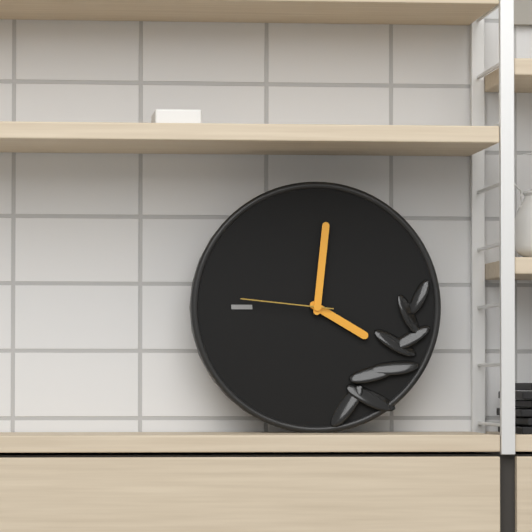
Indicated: 4,01,46
